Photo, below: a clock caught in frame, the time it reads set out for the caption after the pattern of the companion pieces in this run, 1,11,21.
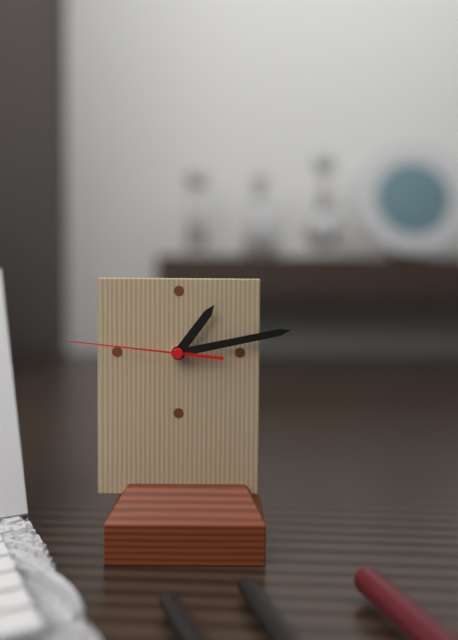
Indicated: 1,13,46
